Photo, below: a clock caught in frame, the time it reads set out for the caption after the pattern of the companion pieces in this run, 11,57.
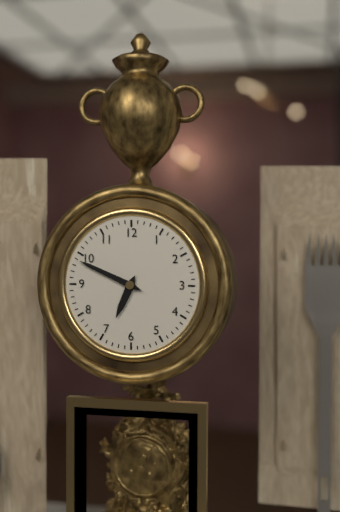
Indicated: 6,49
